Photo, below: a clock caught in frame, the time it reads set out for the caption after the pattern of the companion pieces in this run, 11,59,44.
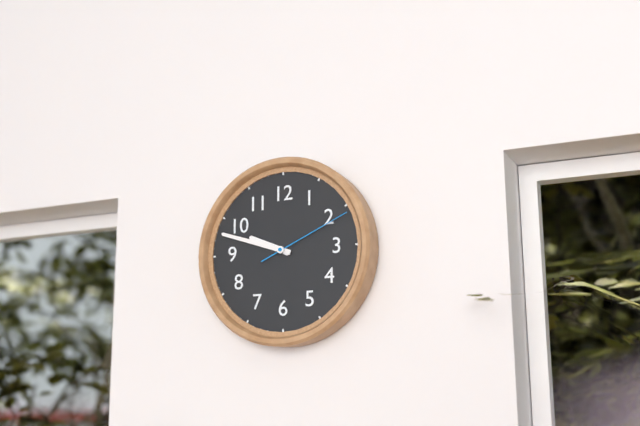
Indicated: 9,48,11
